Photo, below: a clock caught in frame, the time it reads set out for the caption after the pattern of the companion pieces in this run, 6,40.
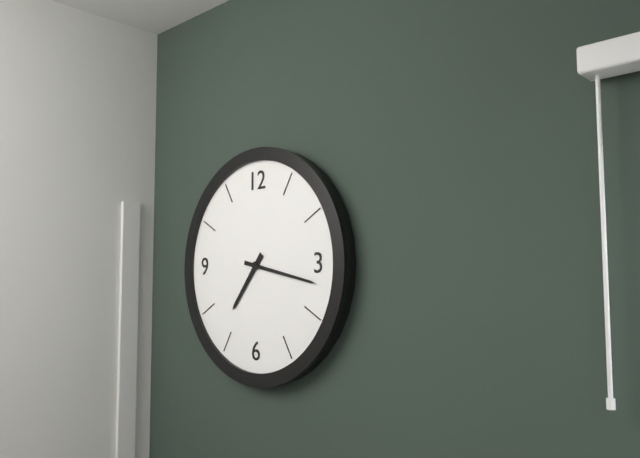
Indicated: 7,17
